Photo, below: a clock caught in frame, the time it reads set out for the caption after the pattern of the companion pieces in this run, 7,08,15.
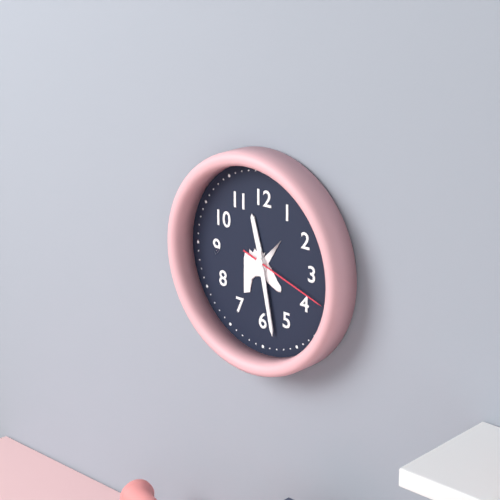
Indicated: 11,28,18
